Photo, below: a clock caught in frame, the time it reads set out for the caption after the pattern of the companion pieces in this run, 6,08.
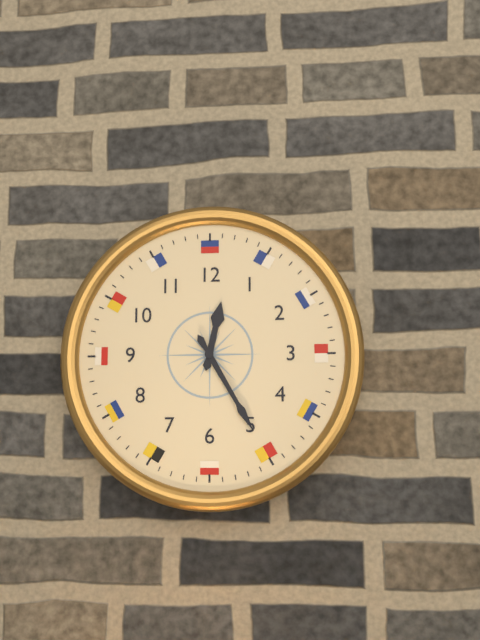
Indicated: 12,25
